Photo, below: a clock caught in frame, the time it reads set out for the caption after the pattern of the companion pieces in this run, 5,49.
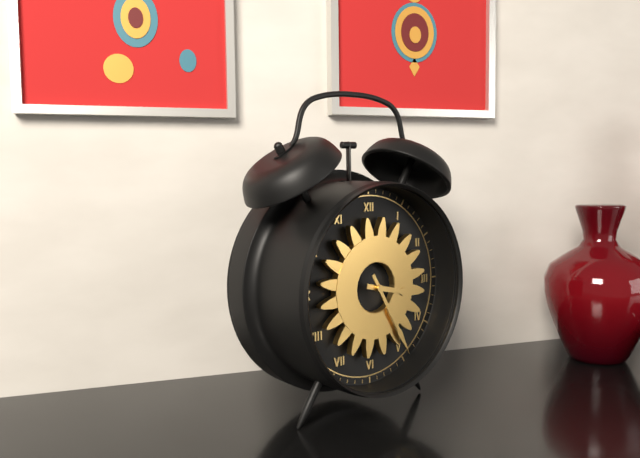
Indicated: 3,25
